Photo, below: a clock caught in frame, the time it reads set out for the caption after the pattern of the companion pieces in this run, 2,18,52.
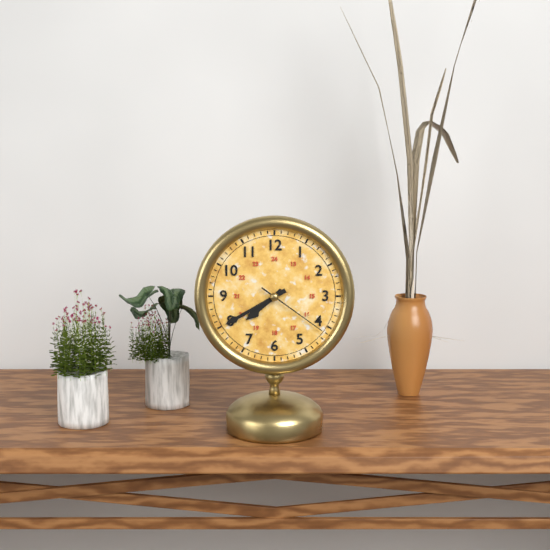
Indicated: 7,40,21
